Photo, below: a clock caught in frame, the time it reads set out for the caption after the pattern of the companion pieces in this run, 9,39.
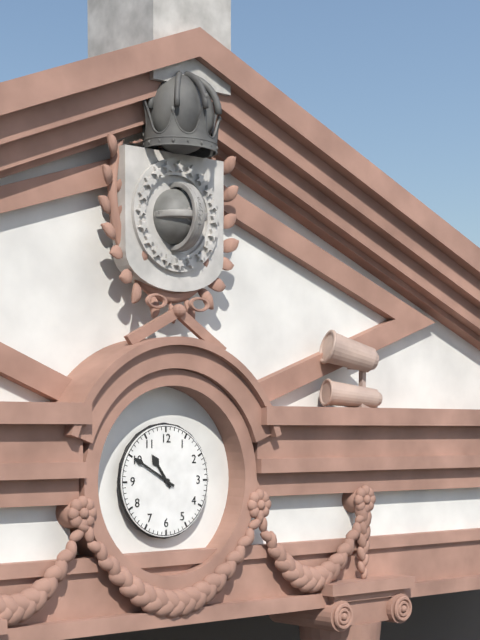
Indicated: 10,50
